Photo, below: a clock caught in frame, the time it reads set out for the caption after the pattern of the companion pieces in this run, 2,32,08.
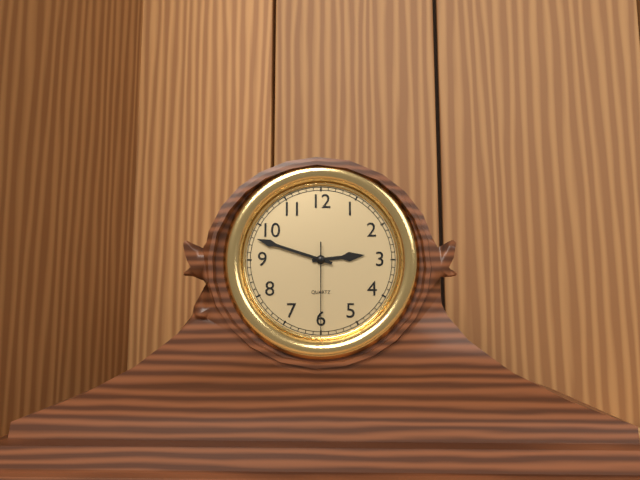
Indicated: 2,48,30
